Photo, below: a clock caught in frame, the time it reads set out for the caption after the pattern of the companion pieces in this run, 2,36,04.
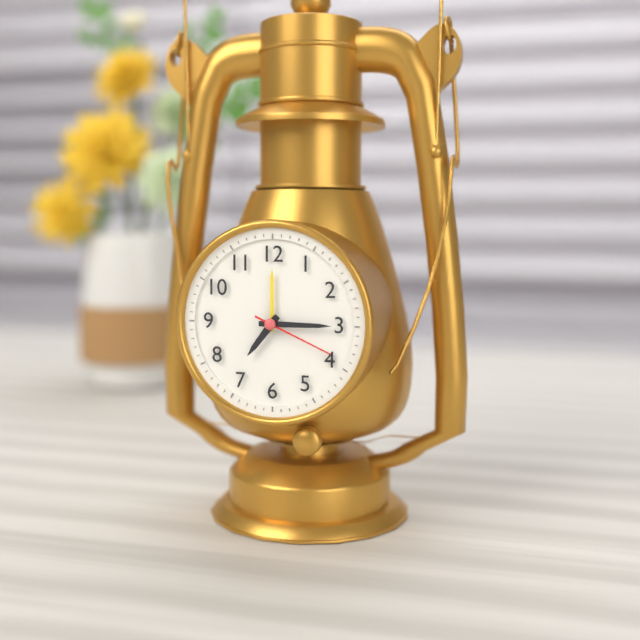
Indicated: 7,15,19
